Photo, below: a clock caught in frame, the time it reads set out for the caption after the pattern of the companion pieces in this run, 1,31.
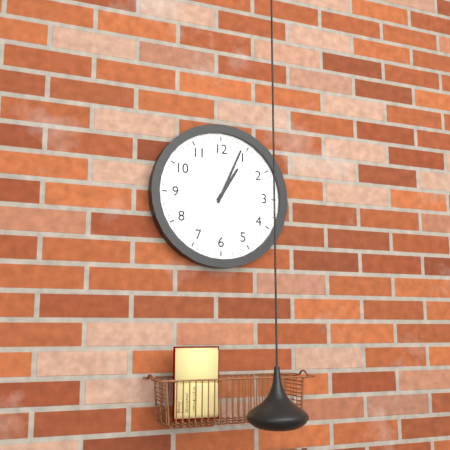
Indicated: 1,04
